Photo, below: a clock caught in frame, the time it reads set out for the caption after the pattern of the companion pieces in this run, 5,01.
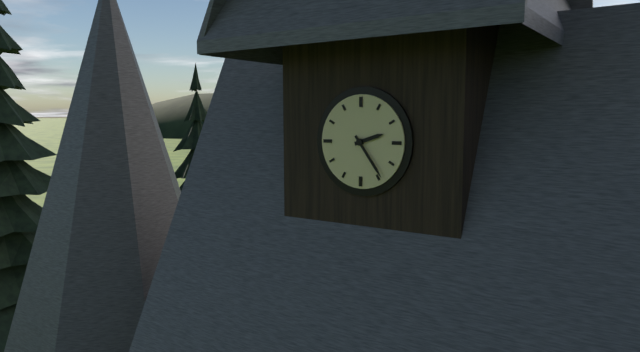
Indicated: 2,24
